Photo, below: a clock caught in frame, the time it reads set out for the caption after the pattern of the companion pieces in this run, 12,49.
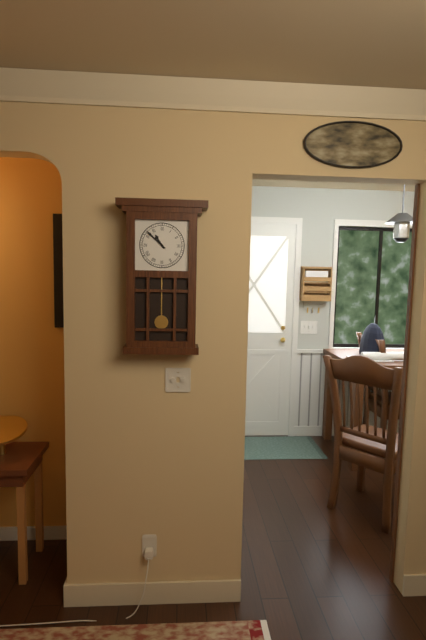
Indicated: 10,52
